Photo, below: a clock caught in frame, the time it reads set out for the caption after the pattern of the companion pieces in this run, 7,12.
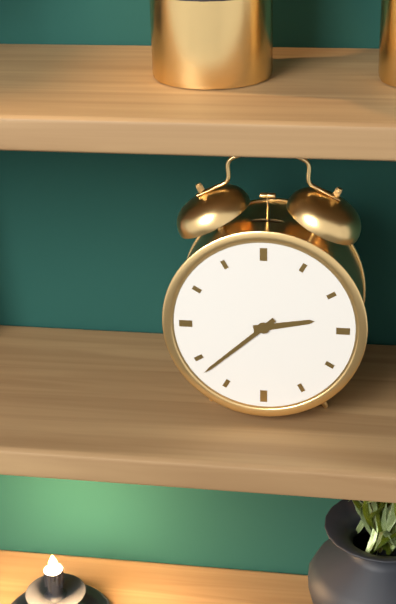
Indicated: 2,38
